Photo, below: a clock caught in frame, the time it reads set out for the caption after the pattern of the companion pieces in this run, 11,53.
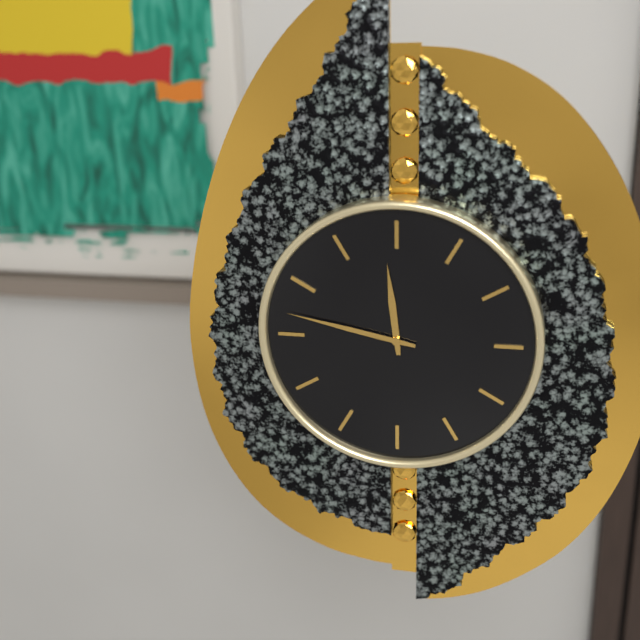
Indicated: 11,47
